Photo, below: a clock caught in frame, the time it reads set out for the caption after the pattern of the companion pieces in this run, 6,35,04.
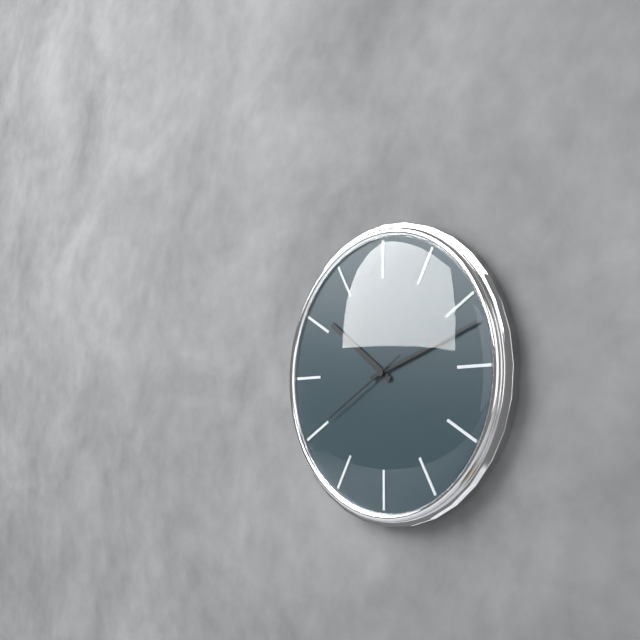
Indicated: 10,12,40
